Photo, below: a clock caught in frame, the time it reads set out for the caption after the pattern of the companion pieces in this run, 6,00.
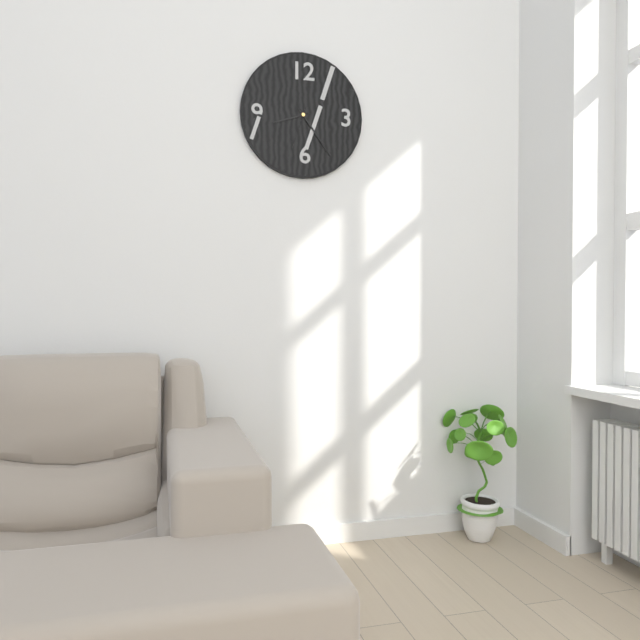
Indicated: 8,24
